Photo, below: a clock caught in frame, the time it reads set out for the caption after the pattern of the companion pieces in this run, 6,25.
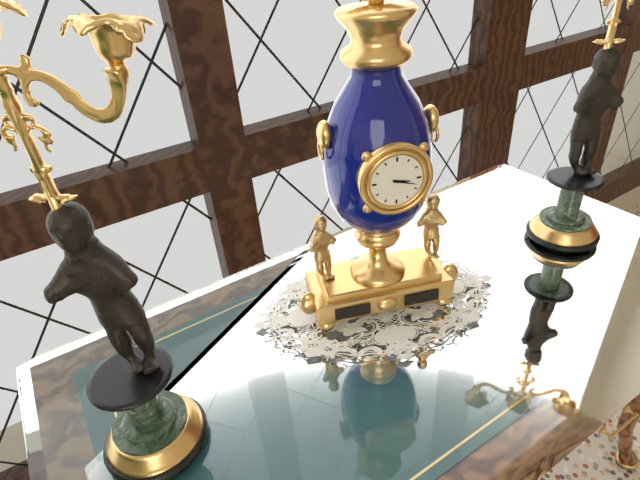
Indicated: 3,18
